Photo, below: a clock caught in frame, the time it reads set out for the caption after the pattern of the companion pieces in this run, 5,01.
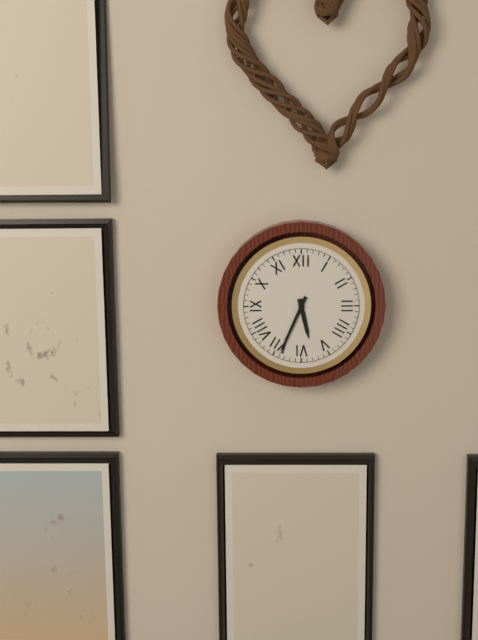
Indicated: 5,34
